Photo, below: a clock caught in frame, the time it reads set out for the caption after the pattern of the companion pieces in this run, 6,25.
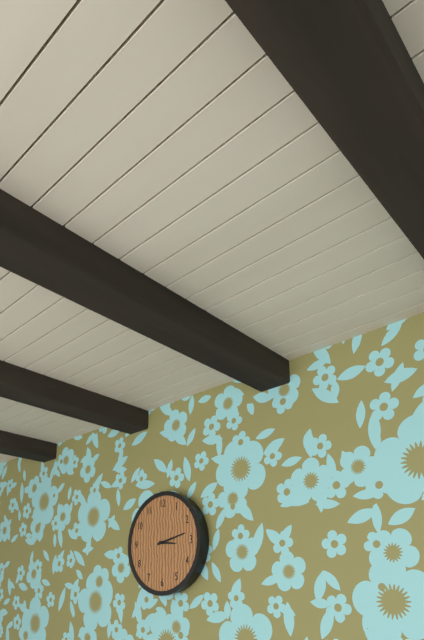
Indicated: 3,13
